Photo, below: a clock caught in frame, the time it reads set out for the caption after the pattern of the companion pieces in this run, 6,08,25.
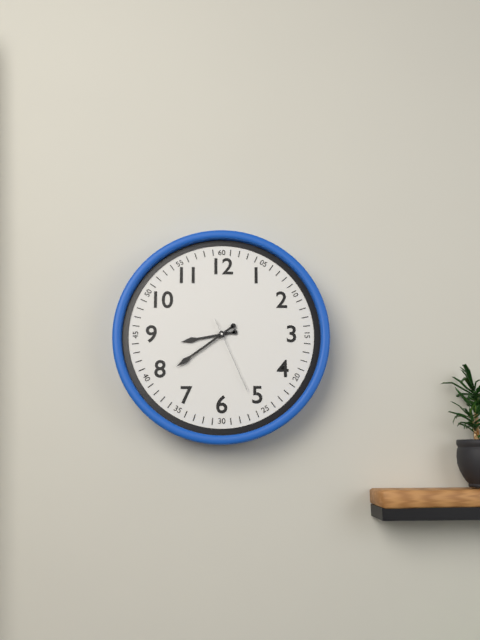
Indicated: 8,39,26
